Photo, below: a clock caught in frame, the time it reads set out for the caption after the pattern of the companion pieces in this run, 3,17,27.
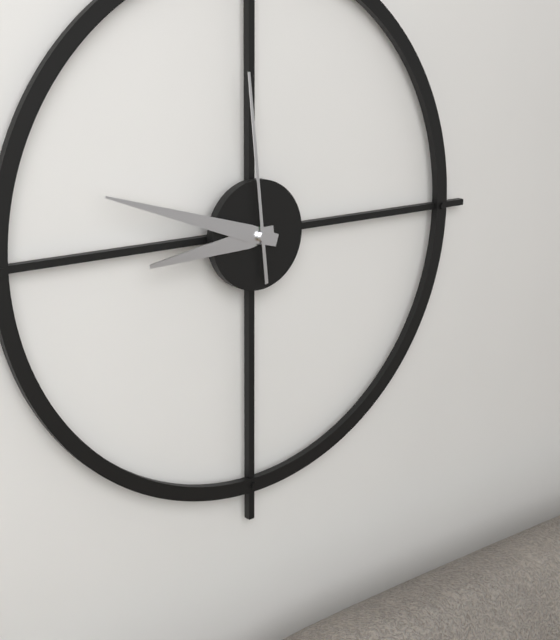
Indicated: 8,48,59
